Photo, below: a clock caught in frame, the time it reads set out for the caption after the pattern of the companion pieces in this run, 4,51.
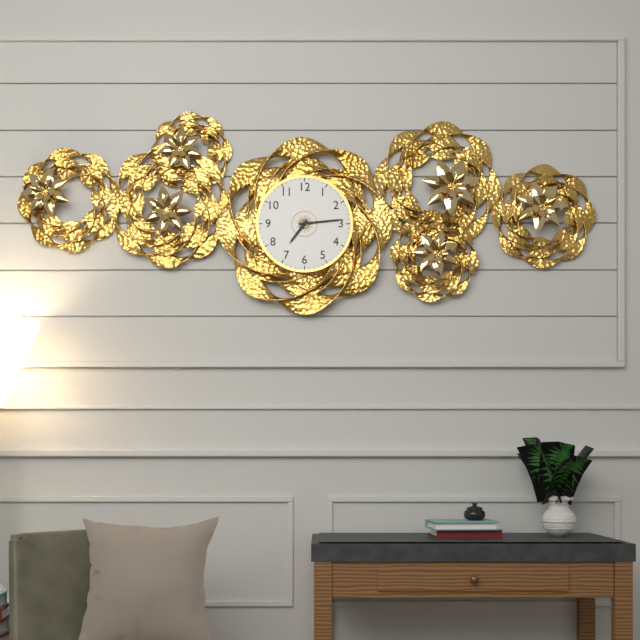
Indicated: 7,14
